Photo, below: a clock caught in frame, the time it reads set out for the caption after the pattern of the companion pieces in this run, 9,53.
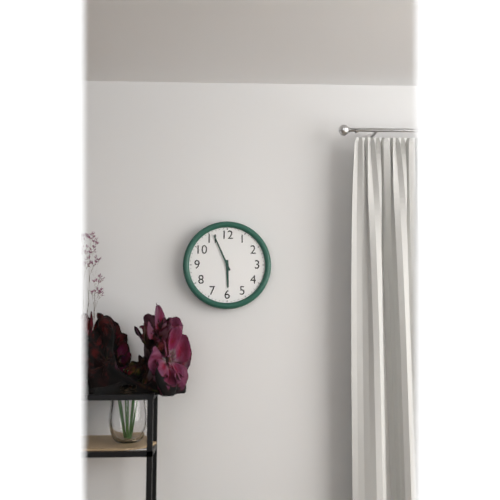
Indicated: 5,56
